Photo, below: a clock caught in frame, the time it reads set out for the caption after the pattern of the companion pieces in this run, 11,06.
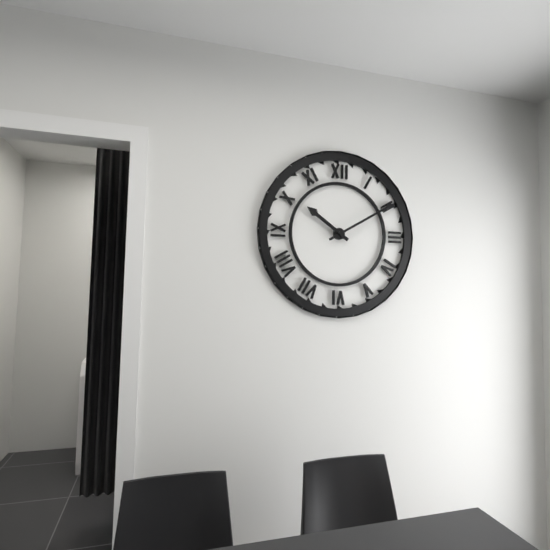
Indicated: 10,10
